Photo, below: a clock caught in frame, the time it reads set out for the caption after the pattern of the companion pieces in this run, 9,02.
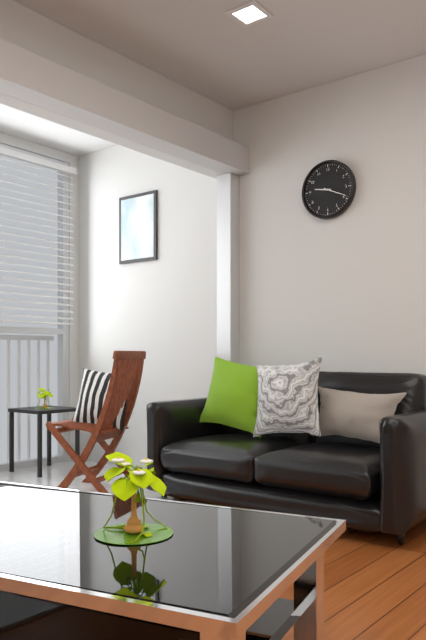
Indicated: 9,19
